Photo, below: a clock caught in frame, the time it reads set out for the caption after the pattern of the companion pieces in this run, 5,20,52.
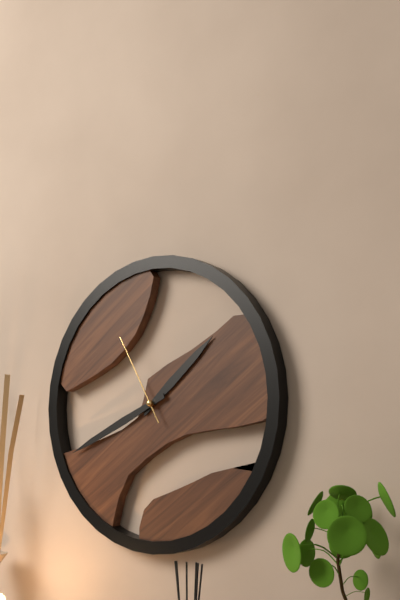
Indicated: 1,41,55
